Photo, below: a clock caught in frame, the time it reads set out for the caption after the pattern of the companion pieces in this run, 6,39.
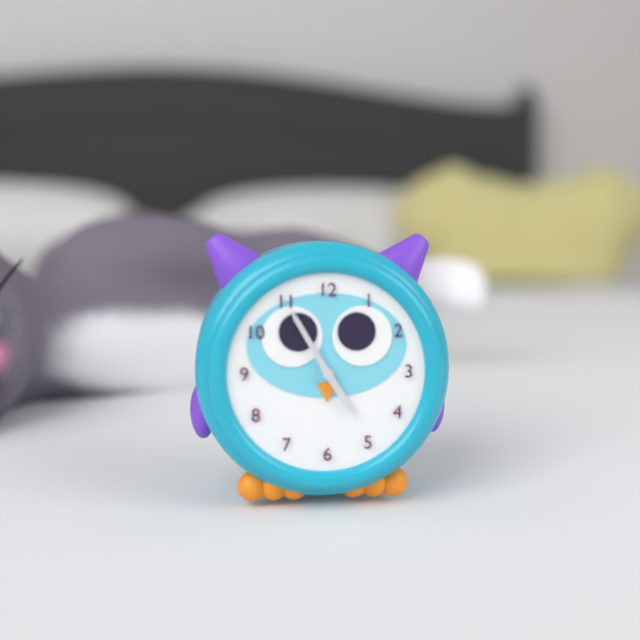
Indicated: 4,55
